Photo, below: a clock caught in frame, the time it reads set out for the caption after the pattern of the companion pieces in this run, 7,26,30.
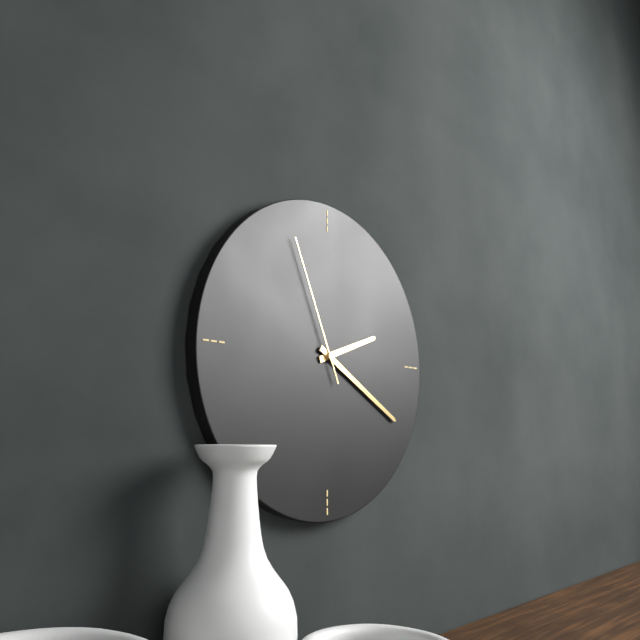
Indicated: 2,20,56
